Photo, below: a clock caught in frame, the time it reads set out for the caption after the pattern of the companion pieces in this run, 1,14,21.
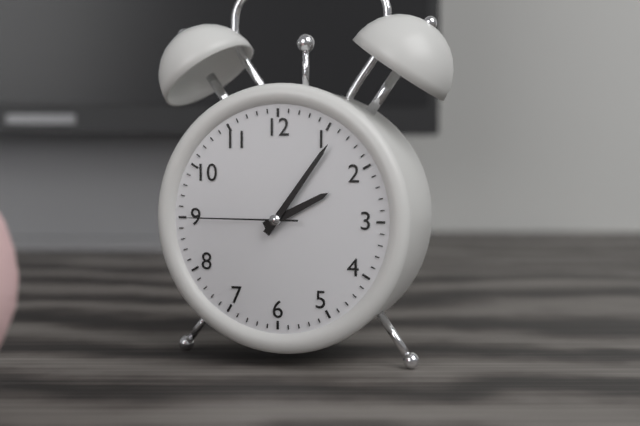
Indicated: 2,06,45
